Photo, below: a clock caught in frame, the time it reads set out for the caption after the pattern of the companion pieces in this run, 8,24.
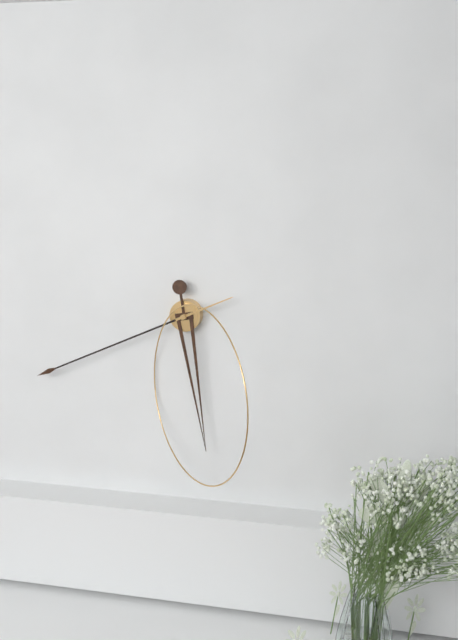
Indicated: 5,41
